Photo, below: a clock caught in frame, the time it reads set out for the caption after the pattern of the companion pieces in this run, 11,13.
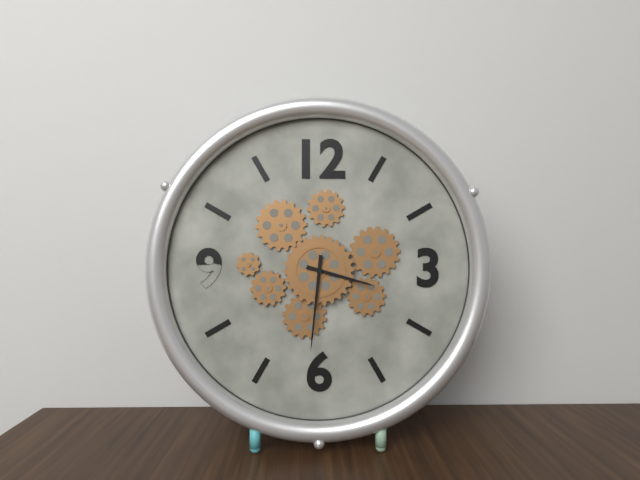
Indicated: 3,31
